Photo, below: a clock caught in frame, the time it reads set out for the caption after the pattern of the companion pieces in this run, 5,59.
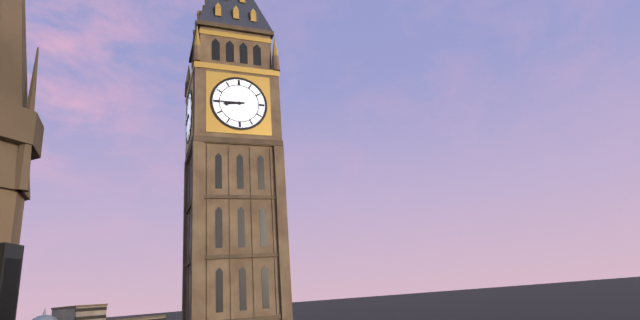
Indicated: 8,45
